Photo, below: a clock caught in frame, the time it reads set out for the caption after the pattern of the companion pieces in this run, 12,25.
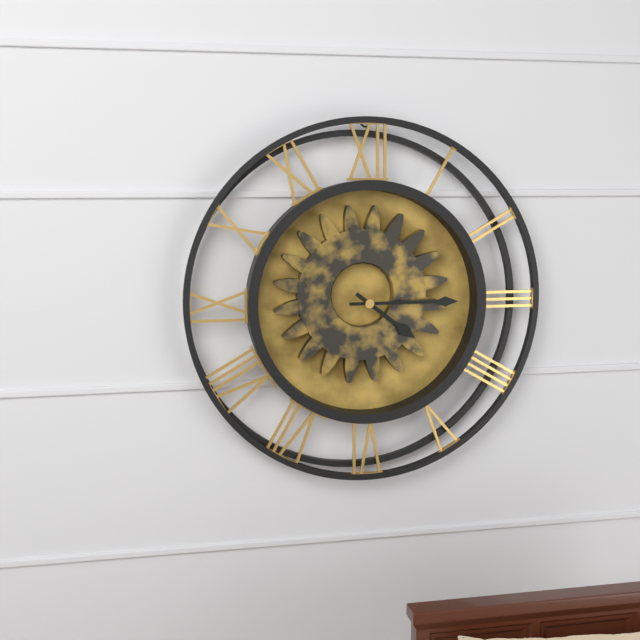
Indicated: 4,15
